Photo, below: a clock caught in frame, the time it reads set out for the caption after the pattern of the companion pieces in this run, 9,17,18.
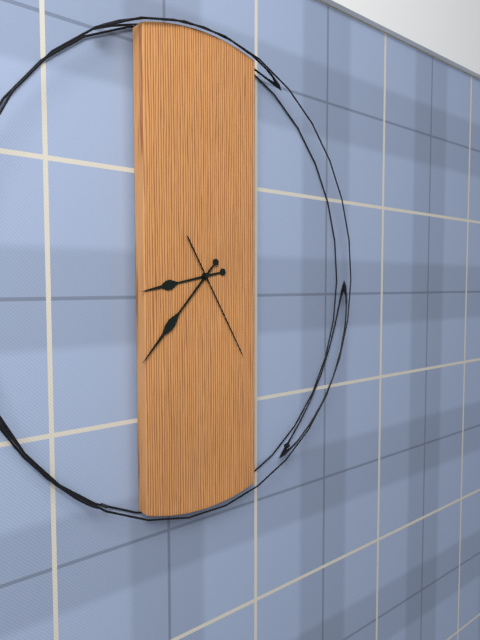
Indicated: 8,37,25
